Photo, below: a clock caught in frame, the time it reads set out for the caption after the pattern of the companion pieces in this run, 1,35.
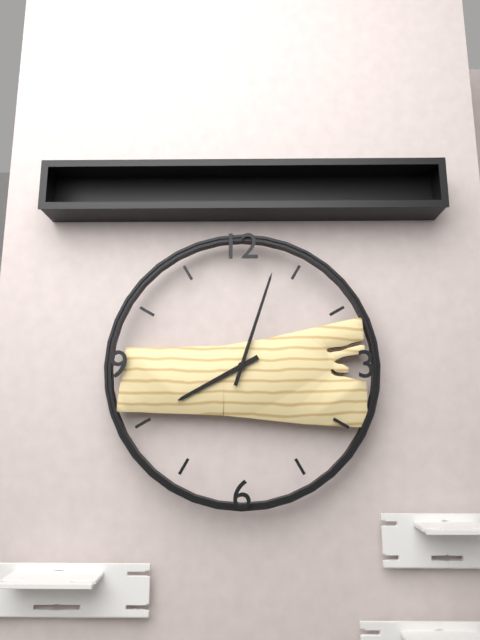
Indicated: 8,03
